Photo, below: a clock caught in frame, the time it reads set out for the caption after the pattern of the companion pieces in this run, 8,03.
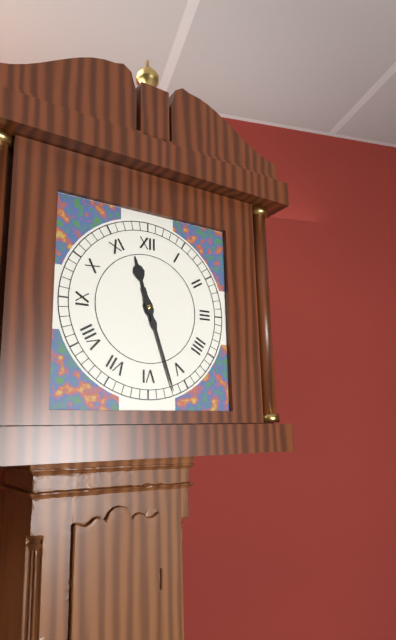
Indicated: 11,27
